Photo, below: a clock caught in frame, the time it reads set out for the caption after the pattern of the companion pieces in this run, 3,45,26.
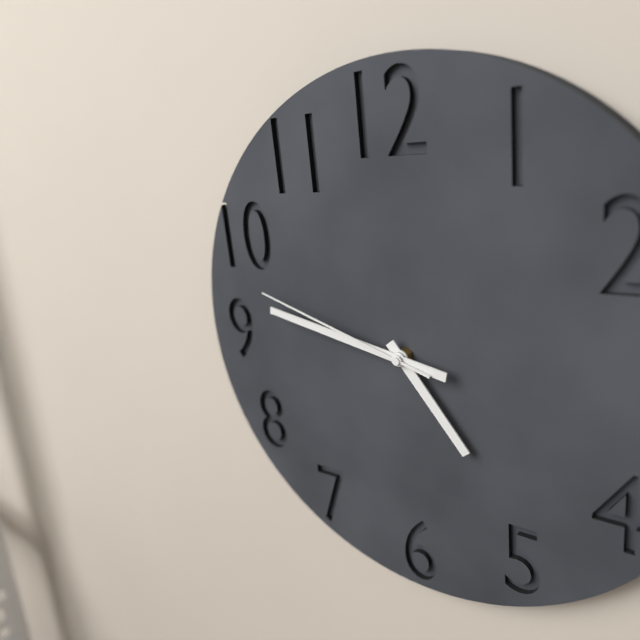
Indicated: 4,47,48
